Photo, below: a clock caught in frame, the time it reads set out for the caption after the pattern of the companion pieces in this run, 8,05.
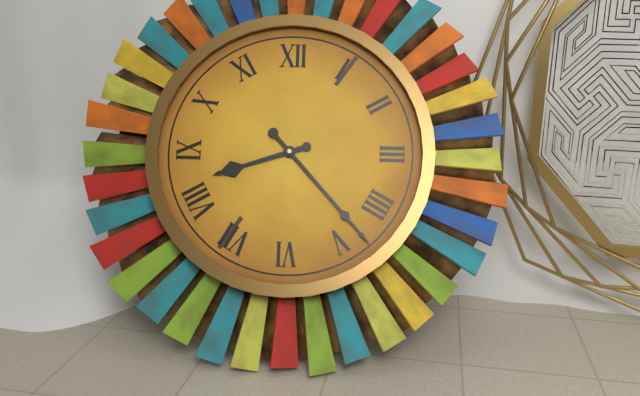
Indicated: 8,23
